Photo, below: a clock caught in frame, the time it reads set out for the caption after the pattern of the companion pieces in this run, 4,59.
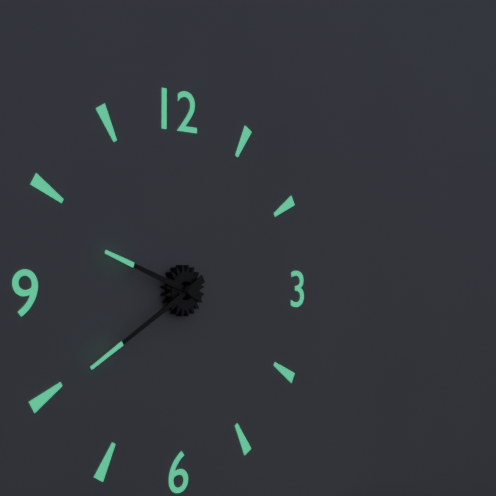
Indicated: 9,40
